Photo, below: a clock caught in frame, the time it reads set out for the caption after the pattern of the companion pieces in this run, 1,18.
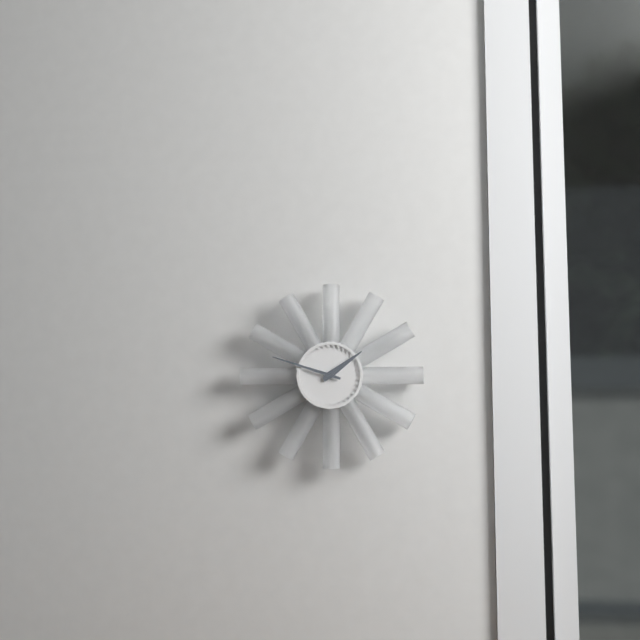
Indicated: 1,48
